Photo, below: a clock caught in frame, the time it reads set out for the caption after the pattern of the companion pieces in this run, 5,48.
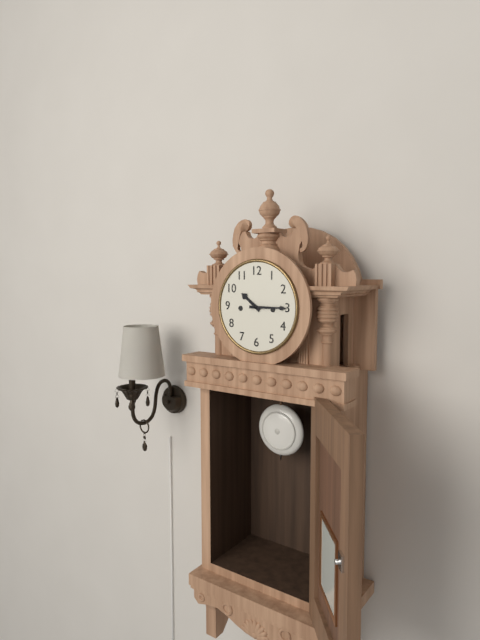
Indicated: 10,15
